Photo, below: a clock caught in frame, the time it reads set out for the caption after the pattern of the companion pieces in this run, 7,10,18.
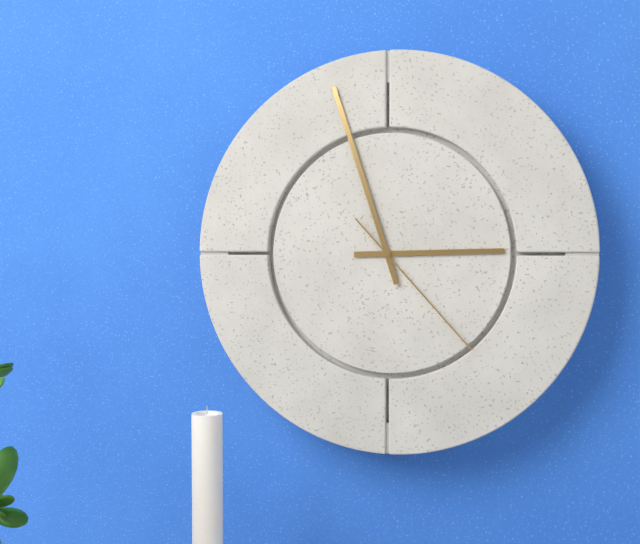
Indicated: 2,57,23
